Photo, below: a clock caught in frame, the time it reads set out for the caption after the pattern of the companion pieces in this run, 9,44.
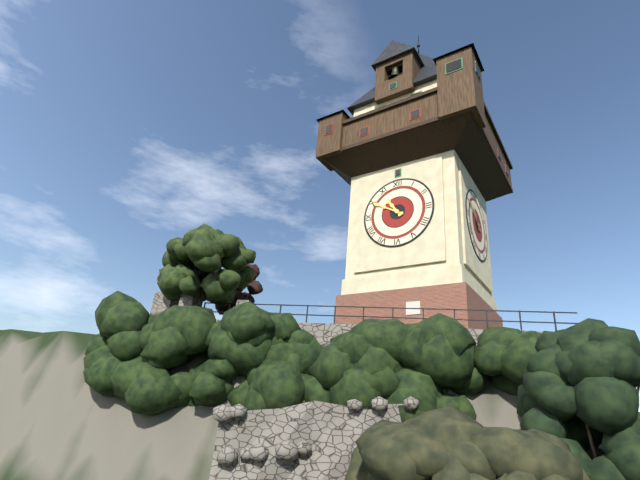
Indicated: 10,50
